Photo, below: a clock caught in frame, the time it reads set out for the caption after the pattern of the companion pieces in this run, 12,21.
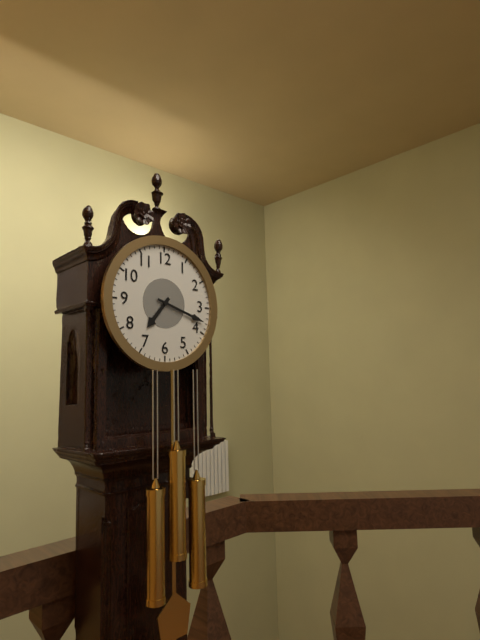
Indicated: 7,18
